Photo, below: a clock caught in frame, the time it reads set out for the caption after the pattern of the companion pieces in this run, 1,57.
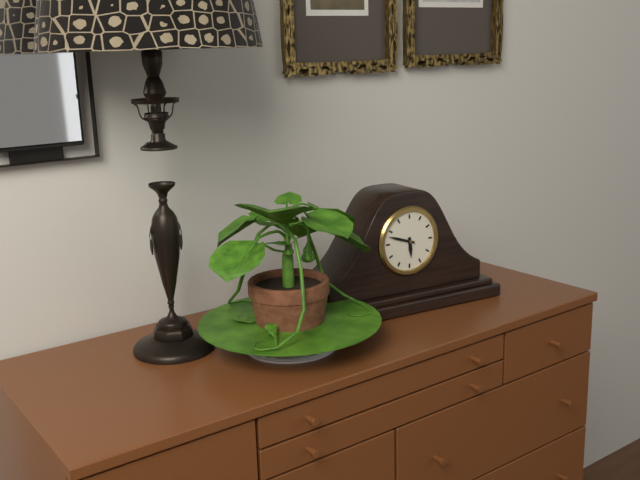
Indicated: 5,48
